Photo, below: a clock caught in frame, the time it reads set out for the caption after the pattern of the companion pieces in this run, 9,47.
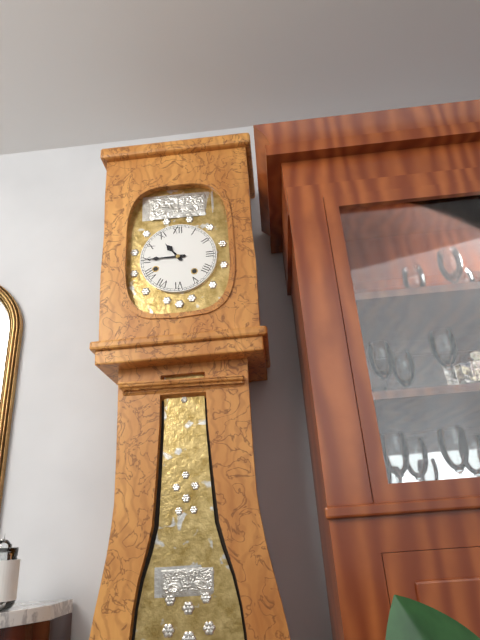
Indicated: 10,45
